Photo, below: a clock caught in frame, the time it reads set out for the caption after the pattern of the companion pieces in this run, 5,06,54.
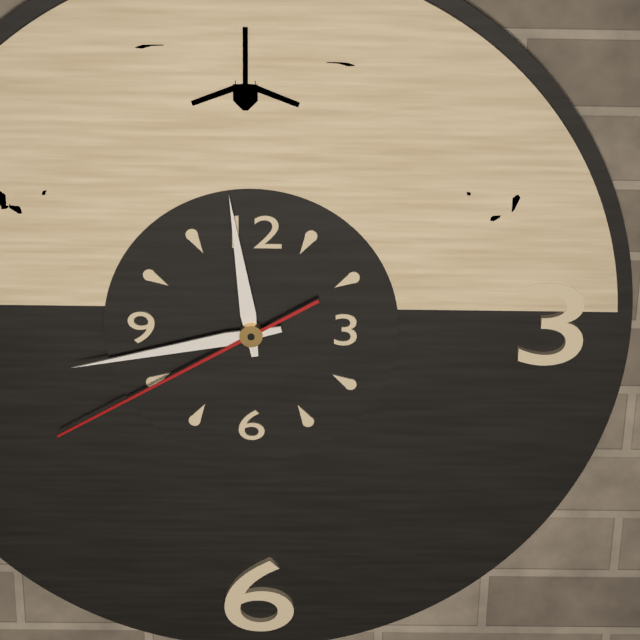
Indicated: 11,43,40
